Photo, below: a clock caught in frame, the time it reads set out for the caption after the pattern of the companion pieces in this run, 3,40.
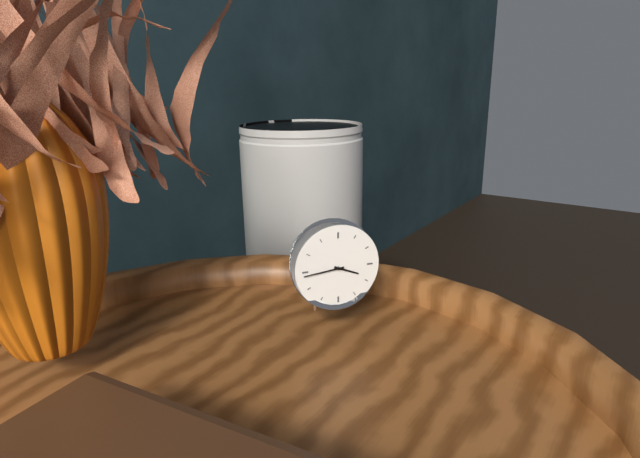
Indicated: 3,44
